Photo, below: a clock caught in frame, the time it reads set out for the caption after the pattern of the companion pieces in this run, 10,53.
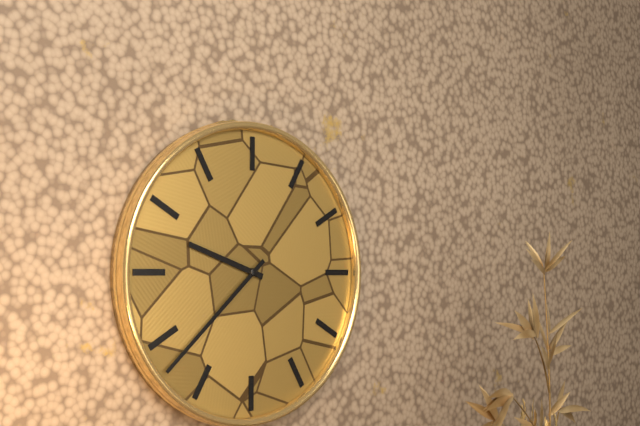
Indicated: 9,38
